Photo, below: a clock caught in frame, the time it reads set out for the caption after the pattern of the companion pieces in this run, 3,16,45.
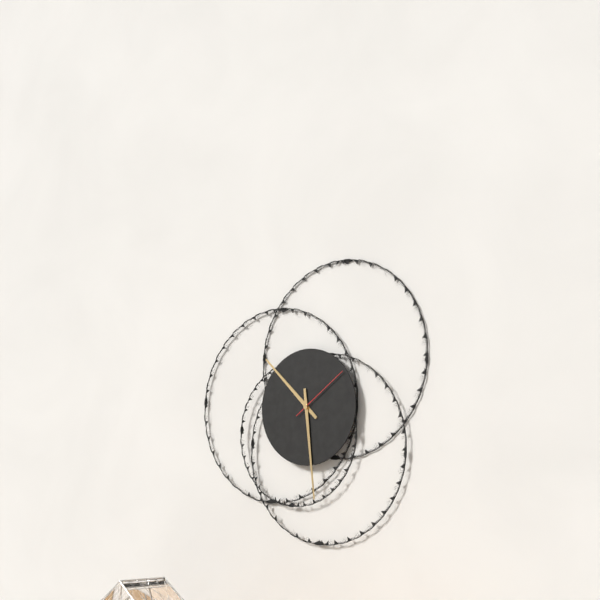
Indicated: 10,29,09
